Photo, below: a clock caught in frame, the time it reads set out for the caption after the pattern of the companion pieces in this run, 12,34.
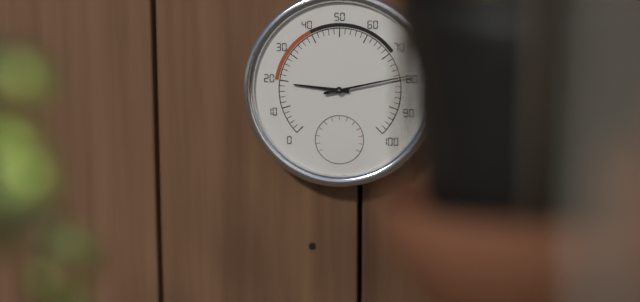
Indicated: 9,13
